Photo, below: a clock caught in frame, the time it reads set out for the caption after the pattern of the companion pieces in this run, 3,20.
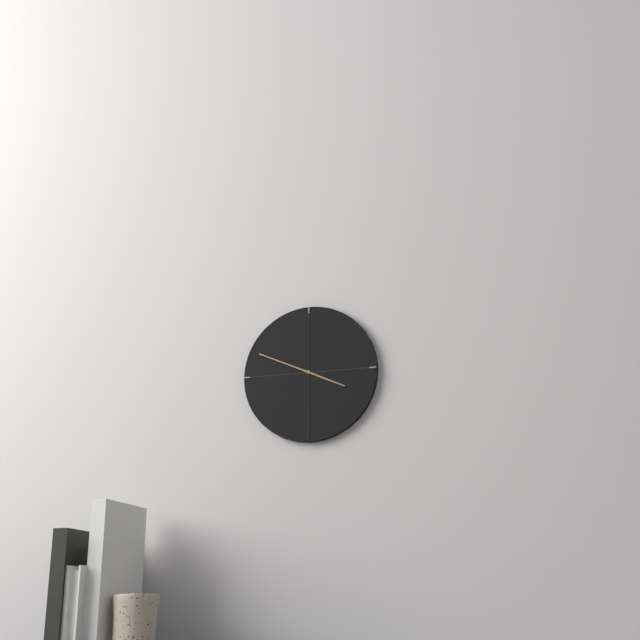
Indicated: 3,49
